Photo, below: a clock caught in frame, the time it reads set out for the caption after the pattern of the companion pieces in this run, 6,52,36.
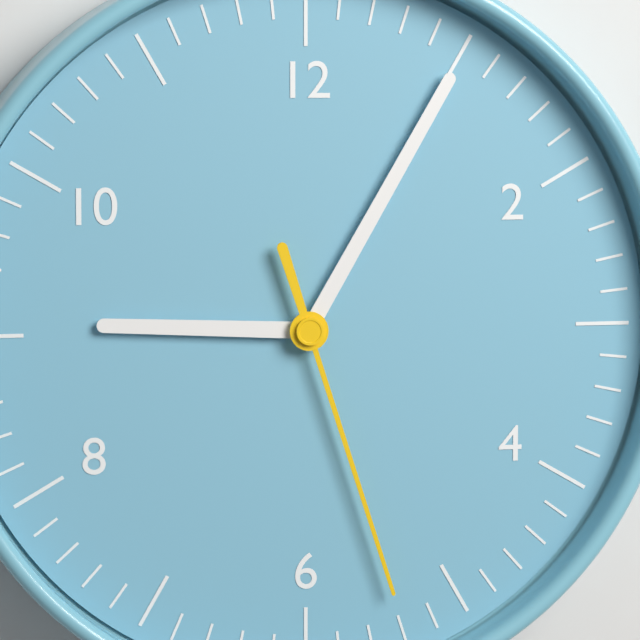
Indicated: 9,05,27
